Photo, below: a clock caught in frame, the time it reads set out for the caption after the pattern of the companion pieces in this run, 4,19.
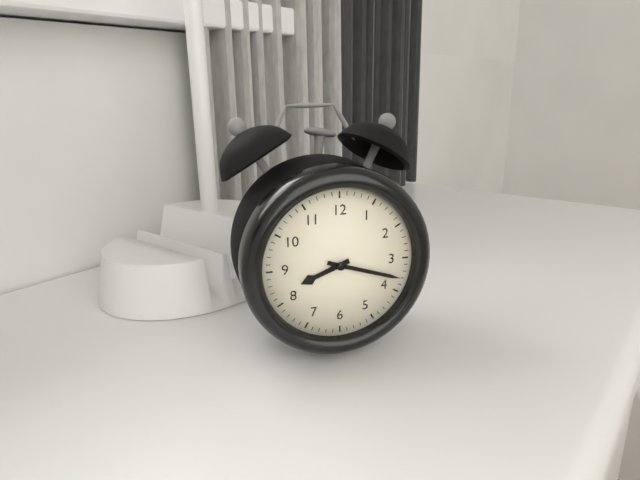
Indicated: 8,18
